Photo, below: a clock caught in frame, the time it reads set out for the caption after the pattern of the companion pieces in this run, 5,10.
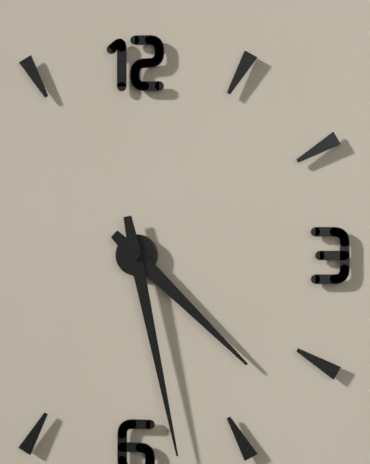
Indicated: 4,28
